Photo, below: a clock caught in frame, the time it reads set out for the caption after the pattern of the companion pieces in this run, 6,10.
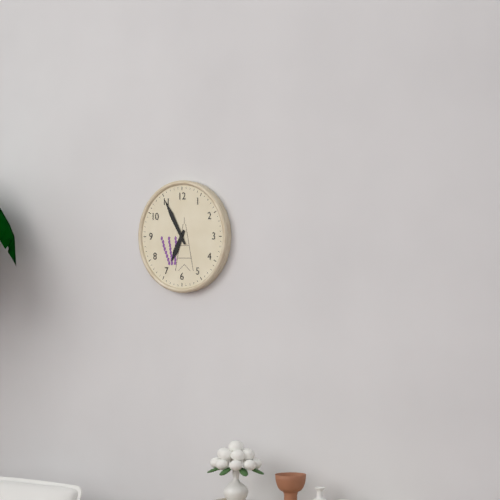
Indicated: 6,55
